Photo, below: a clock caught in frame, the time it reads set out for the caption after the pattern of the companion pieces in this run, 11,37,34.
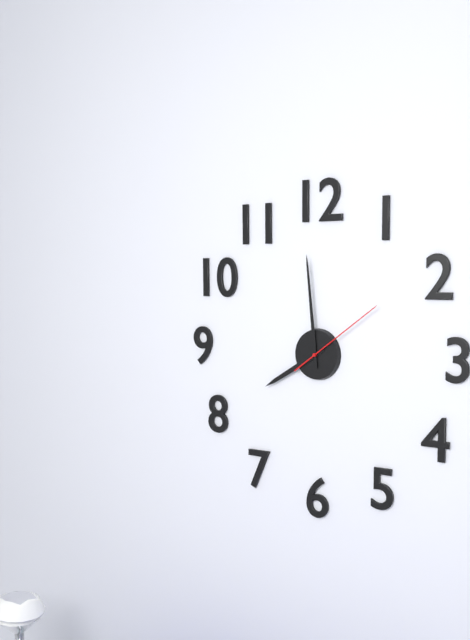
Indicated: 7,59,09
